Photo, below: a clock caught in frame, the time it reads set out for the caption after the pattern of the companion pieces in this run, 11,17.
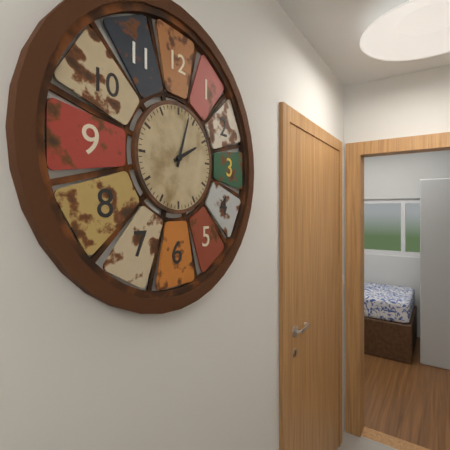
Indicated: 2,03
